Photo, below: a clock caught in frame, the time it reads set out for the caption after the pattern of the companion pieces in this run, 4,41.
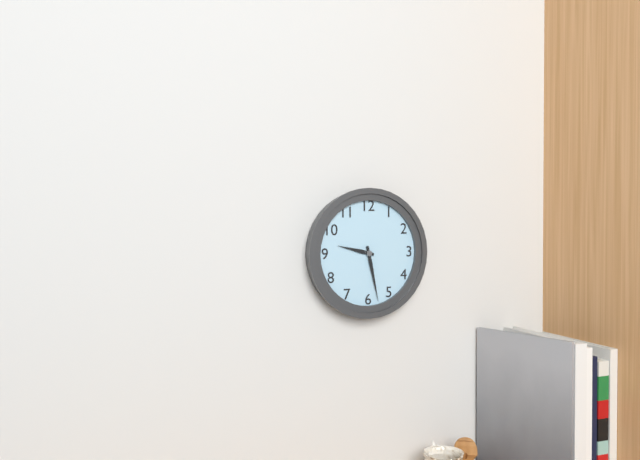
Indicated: 9,28
